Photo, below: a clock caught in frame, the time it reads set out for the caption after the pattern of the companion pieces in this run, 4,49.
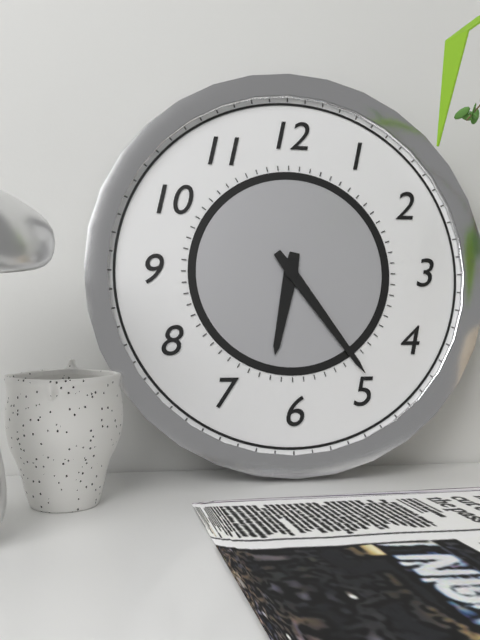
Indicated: 6,24
